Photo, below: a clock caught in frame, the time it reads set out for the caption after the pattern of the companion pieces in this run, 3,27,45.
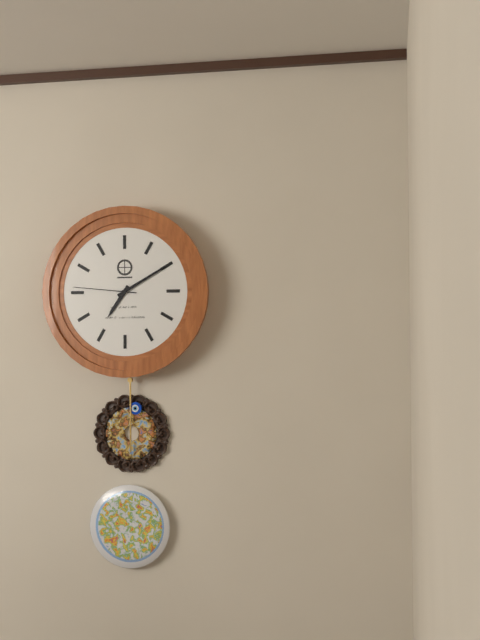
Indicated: 7,10,46
